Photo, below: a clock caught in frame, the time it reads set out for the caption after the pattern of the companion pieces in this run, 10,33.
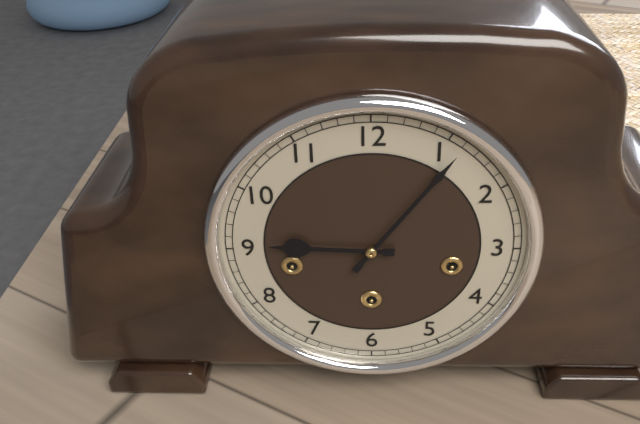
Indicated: 9,06
